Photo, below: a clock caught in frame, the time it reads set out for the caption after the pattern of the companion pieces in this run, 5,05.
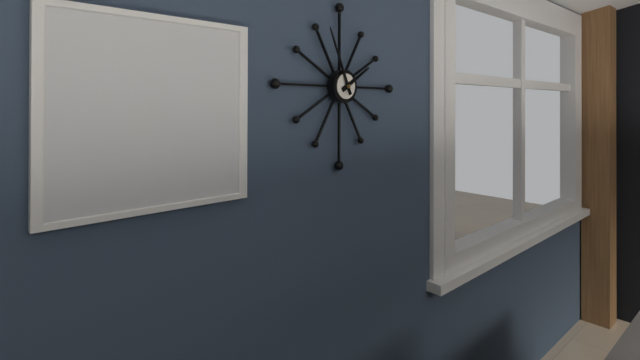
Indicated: 1,56
